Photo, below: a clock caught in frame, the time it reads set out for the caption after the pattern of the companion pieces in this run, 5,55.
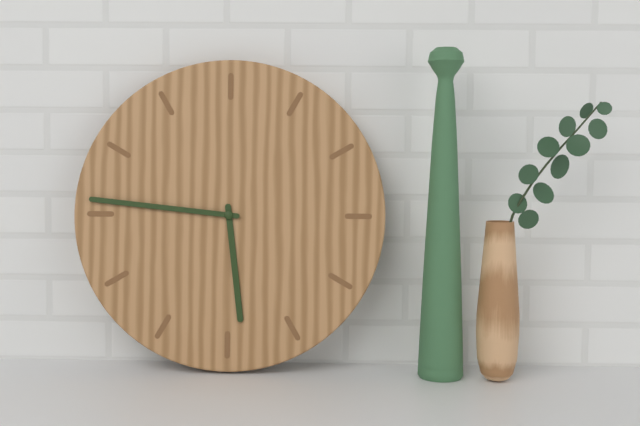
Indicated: 5,46
